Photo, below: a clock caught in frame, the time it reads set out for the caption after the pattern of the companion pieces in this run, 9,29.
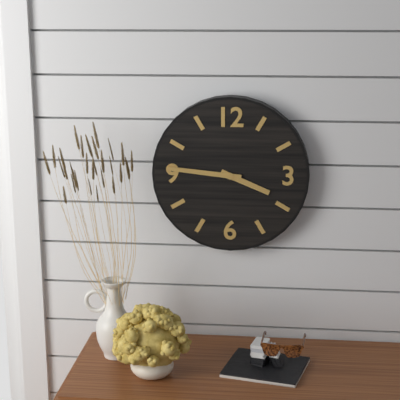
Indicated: 3,46
